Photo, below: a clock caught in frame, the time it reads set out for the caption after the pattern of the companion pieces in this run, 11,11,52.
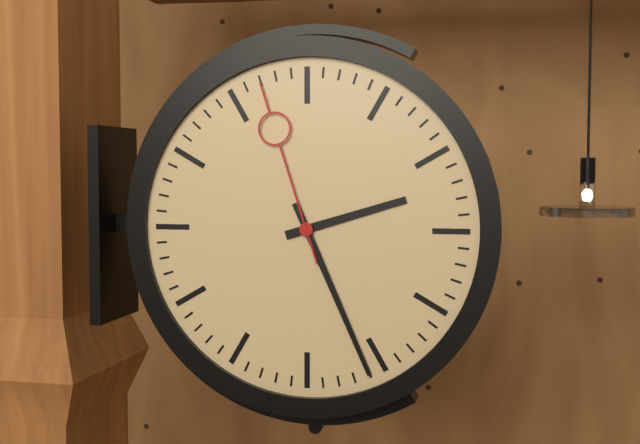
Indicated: 2,26,57
